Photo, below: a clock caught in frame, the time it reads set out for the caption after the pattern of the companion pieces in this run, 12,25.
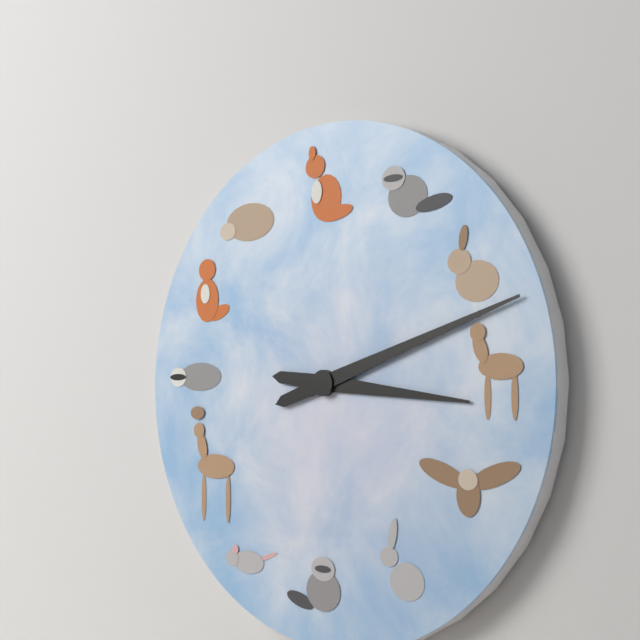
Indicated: 3,12
